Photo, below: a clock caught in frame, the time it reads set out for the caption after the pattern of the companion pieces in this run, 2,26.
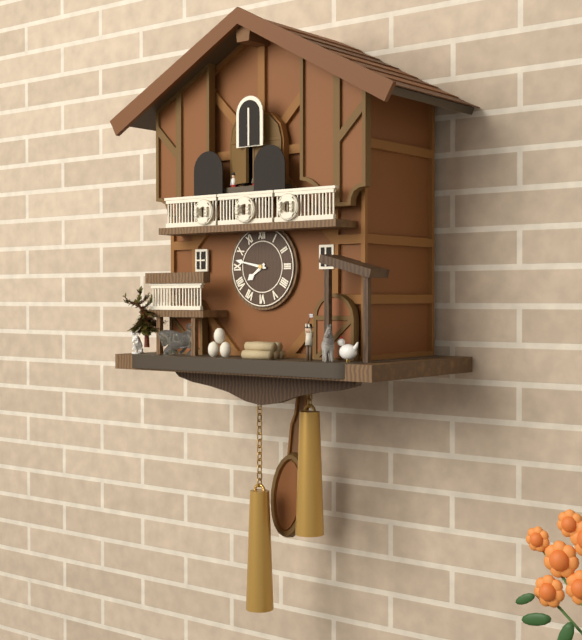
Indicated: 7,47
